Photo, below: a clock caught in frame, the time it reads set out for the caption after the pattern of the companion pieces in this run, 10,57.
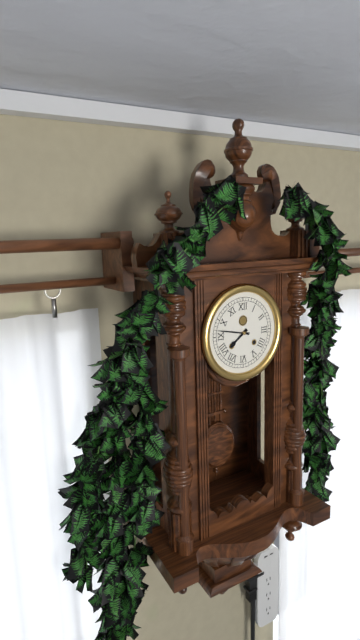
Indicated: 7,47
